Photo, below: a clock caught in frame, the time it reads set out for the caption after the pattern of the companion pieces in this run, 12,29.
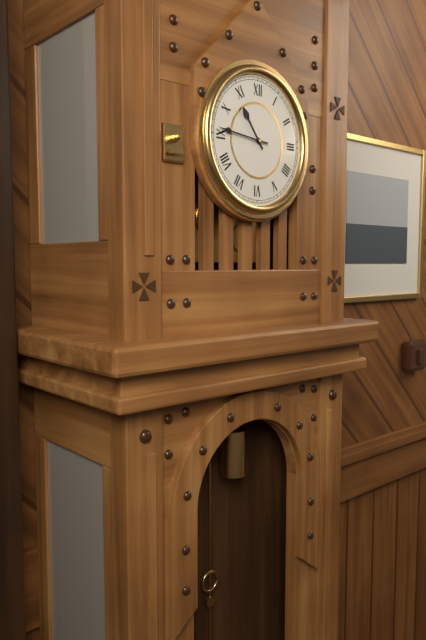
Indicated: 10,46
